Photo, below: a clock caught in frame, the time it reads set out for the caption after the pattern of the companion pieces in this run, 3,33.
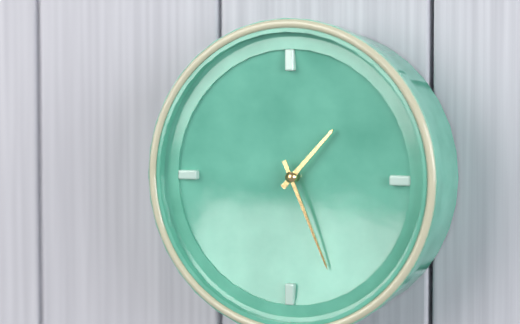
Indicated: 1,26
